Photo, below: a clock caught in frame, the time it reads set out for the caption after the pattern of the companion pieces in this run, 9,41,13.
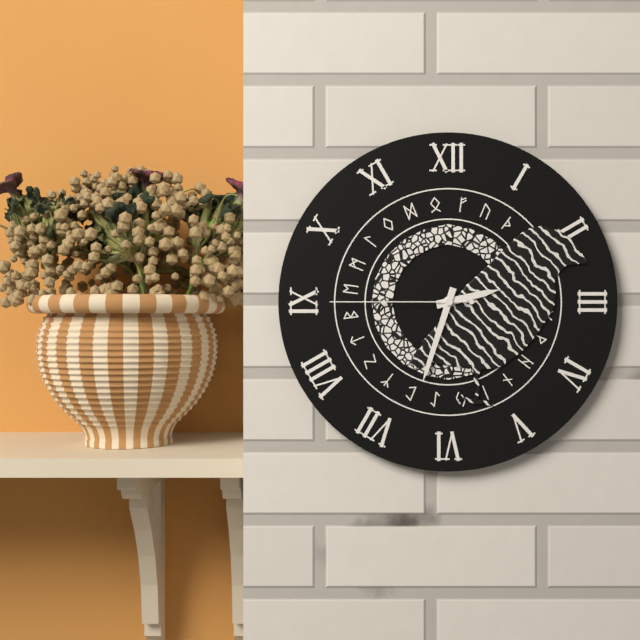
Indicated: 2,33,45
